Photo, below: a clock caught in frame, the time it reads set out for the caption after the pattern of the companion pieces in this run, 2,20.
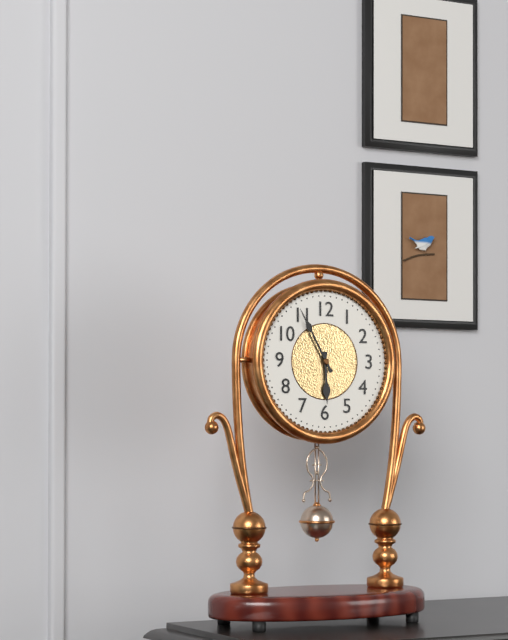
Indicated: 5,55
